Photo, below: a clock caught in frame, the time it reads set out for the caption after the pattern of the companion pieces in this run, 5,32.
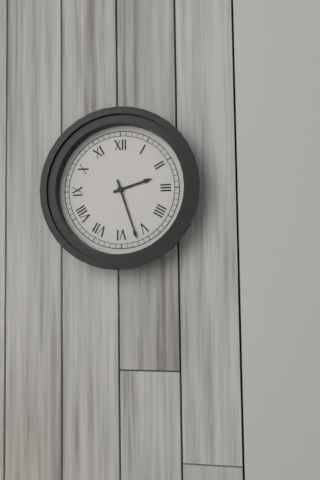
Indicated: 2,27
